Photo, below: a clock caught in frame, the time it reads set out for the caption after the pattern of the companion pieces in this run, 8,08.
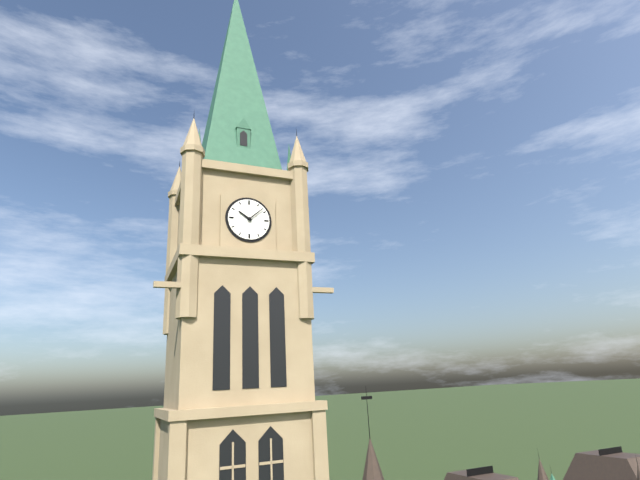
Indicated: 10,08
